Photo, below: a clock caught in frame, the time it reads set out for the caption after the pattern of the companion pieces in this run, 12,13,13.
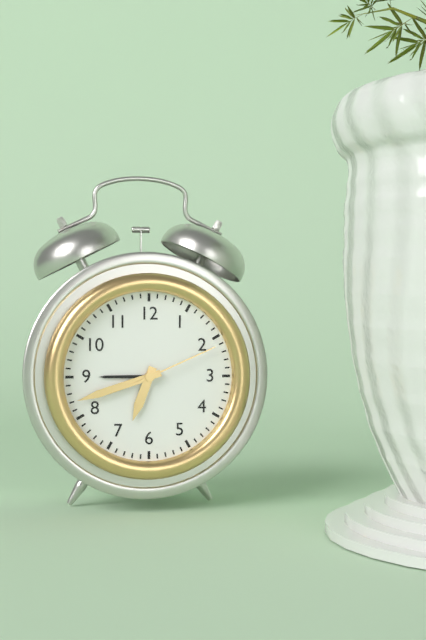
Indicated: 6,42,11
